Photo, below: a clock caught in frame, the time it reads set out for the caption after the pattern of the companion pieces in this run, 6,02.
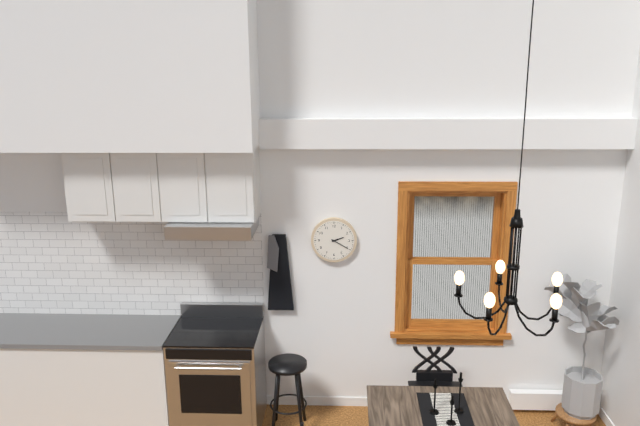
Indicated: 2,20
